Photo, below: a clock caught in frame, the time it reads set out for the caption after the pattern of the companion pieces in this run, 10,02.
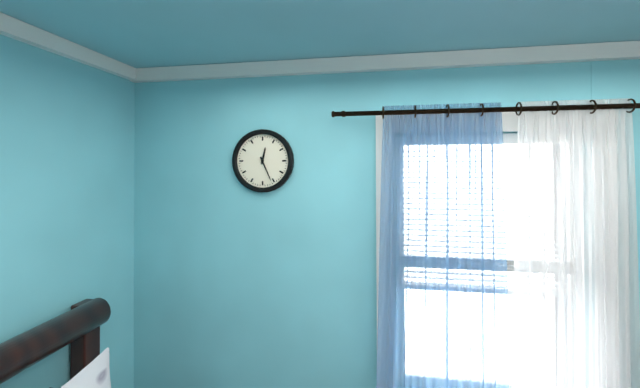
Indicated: 12,26
